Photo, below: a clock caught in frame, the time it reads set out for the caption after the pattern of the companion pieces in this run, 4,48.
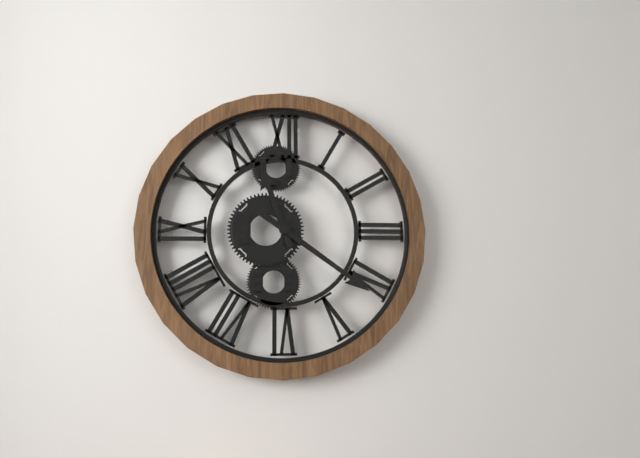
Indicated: 11,21
